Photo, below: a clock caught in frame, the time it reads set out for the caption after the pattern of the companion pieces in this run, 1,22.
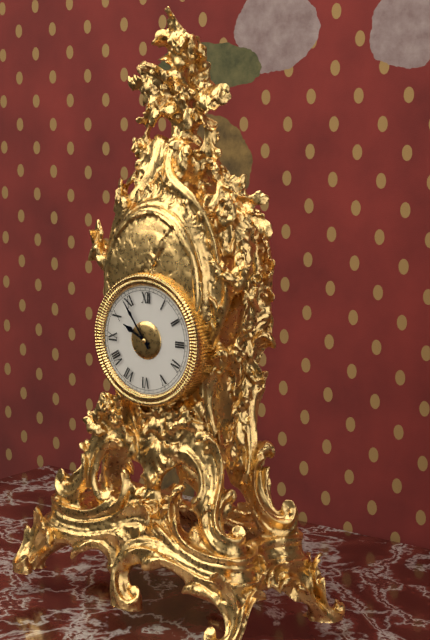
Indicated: 9,54
